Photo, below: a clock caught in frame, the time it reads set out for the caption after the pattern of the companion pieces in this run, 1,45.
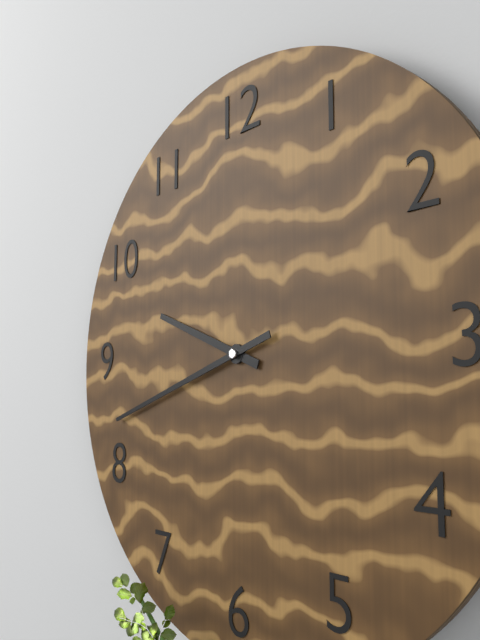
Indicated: 9,42
